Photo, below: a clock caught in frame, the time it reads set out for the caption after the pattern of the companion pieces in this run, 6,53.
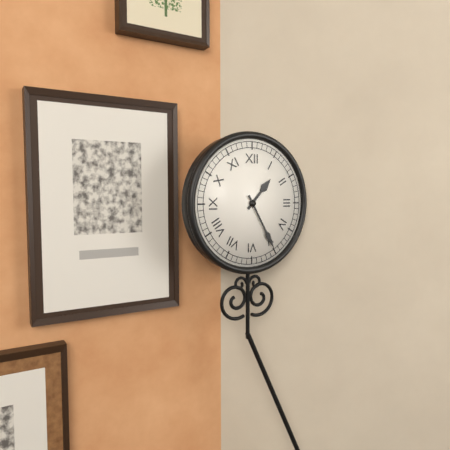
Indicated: 1,25
